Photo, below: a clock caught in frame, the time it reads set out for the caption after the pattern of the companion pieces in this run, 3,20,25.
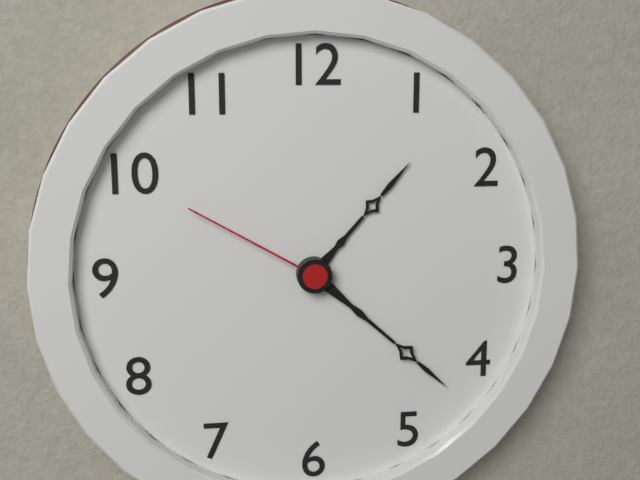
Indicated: 1,22,50
